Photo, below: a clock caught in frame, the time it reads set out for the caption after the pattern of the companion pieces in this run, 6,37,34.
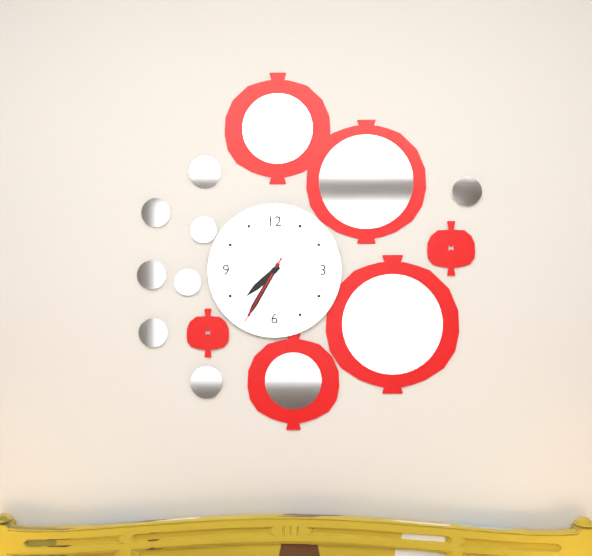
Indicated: 7,35,35
